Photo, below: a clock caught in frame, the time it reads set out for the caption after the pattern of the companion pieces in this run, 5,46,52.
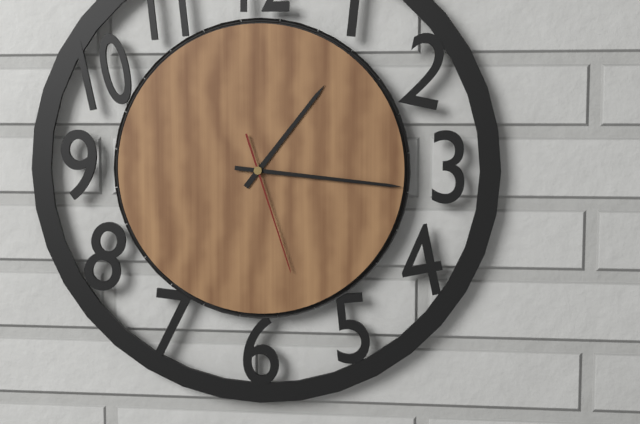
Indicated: 1,16,27
